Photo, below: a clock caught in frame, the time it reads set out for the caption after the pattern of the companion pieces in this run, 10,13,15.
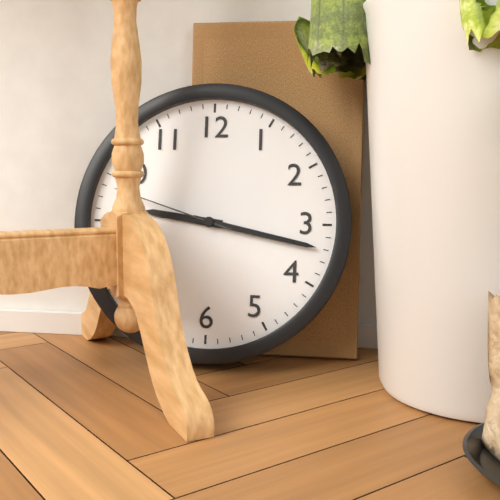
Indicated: 9,17,48
